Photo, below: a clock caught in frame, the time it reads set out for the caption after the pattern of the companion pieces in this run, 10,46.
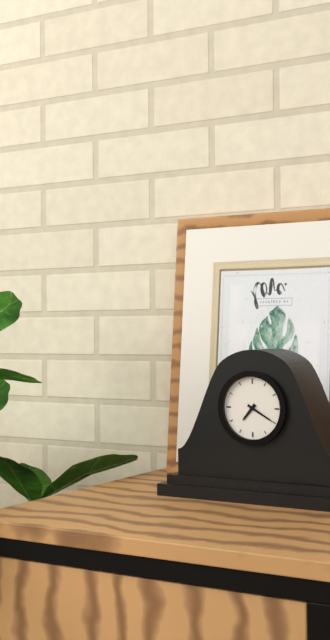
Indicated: 7,20
